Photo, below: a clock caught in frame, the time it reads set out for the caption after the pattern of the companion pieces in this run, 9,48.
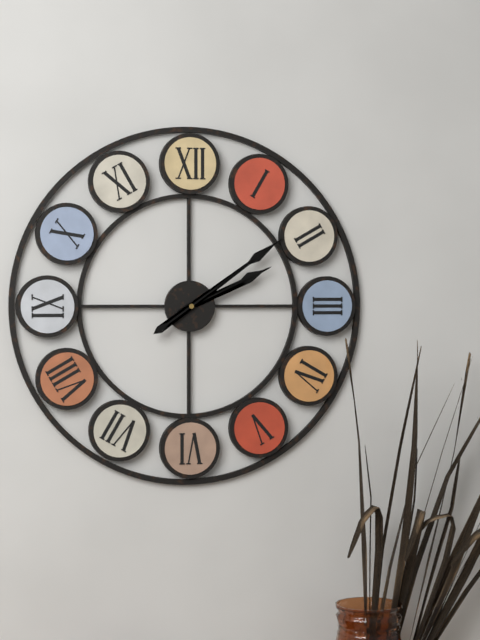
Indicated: 2,09
